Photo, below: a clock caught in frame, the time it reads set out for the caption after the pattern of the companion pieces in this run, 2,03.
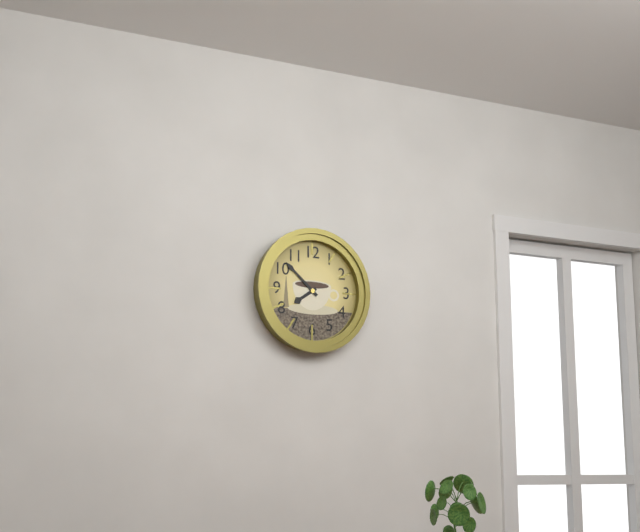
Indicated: 7,52
